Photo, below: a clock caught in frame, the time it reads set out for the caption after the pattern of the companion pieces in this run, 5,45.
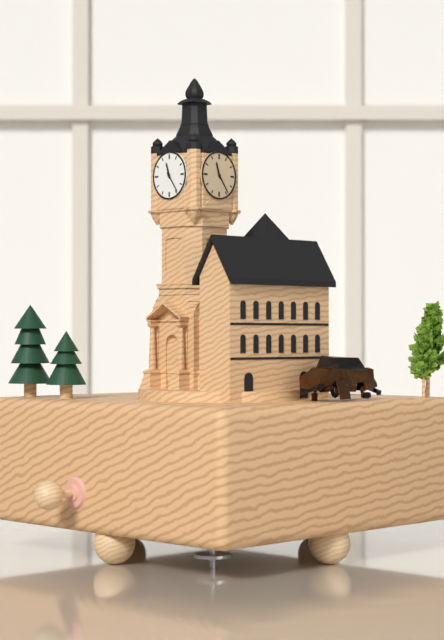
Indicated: 11,24
